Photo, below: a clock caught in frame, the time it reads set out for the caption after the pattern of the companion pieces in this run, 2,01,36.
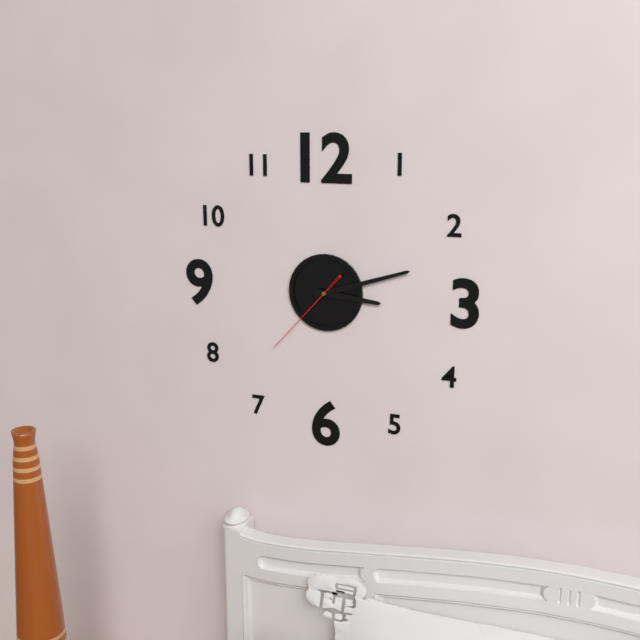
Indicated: 3,12,37
